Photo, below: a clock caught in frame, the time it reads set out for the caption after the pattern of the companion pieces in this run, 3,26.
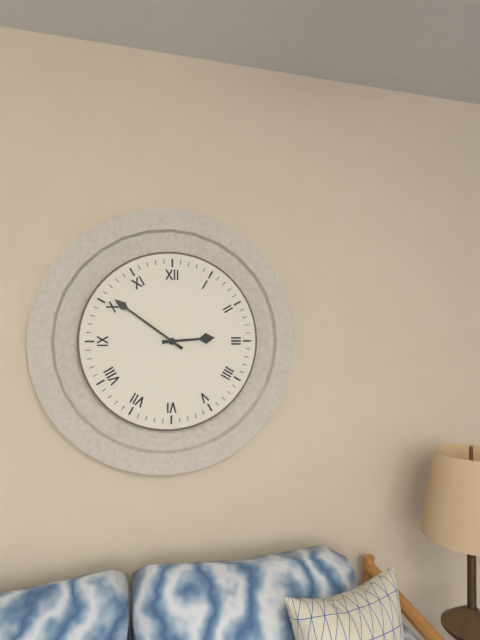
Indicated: 2,51
